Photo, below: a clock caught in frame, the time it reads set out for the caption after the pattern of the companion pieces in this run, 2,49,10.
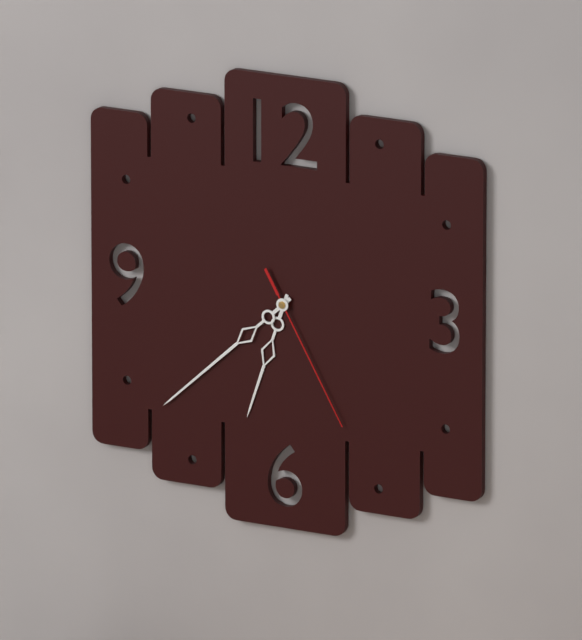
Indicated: 6,38,25
